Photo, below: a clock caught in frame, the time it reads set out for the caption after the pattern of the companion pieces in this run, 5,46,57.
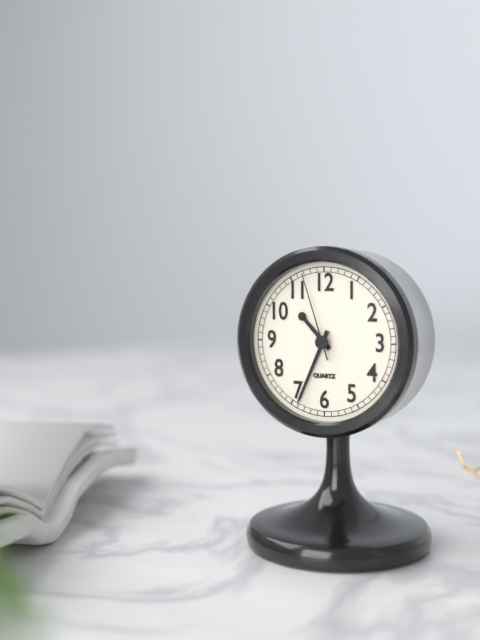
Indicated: 10,34,57
